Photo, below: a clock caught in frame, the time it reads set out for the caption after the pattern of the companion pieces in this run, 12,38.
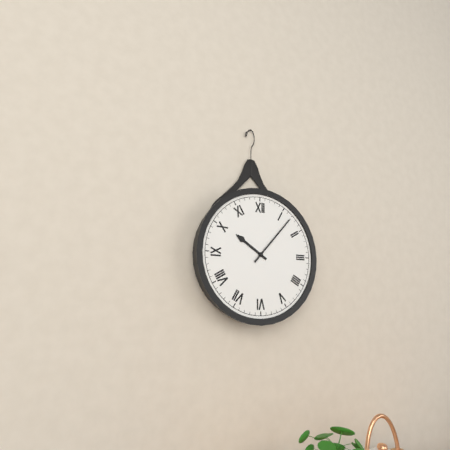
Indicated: 10,07
